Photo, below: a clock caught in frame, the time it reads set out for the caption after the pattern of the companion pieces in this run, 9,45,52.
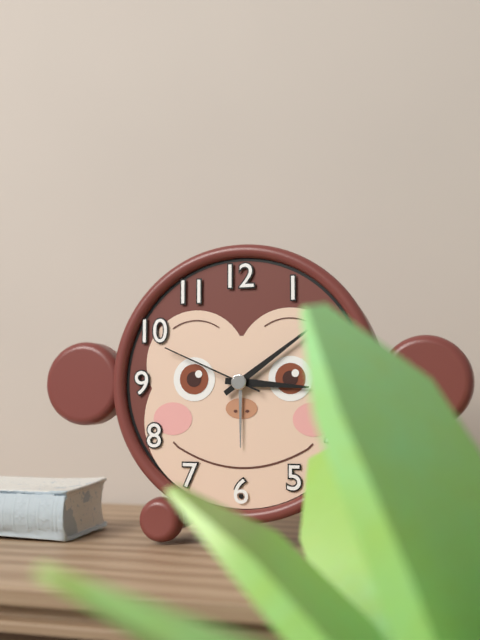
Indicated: 3,09,49
